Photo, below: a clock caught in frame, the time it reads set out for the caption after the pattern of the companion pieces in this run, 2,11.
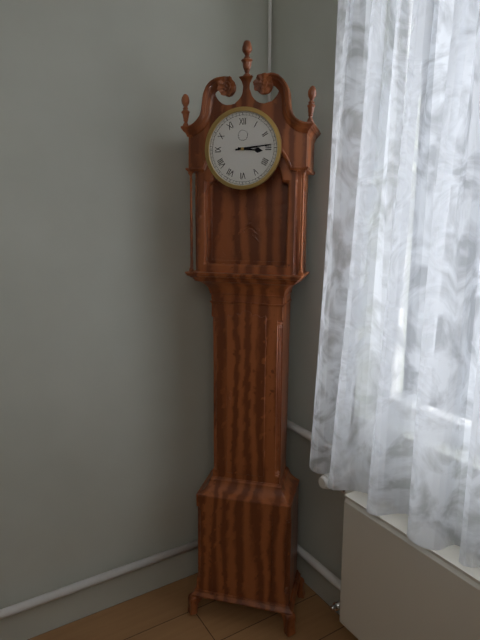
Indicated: 3,14
